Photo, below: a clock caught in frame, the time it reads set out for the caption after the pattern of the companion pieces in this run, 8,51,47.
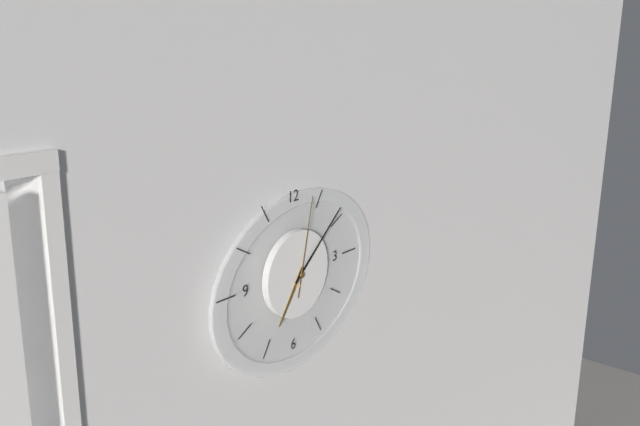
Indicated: 7,08,02
